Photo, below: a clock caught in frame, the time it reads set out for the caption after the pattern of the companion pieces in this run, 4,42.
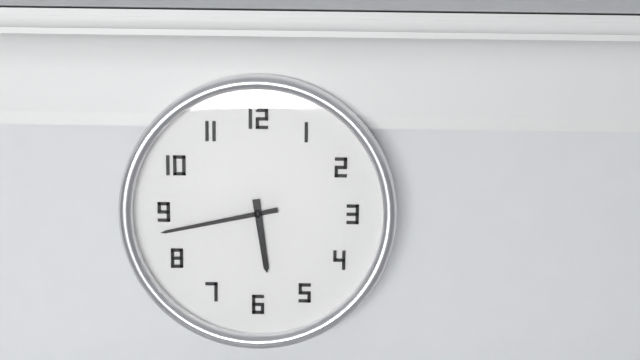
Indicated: 5,43
